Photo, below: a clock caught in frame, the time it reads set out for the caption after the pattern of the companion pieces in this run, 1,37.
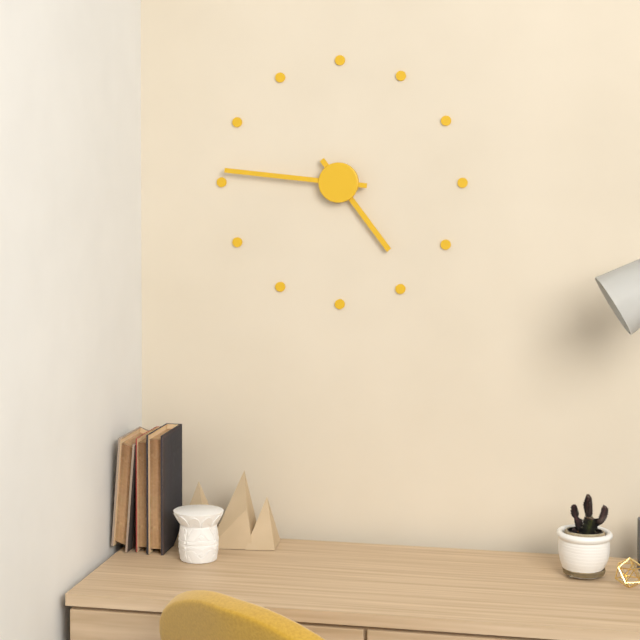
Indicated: 4,46
